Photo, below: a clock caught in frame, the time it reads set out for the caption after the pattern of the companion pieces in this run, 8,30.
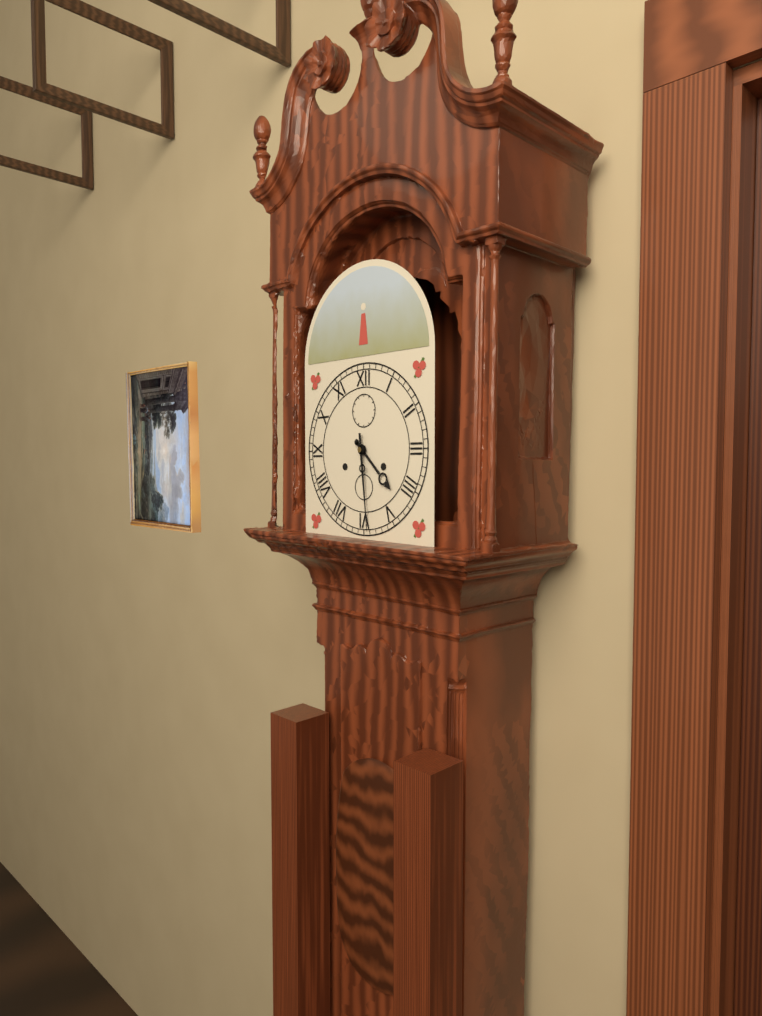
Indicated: 4,29
